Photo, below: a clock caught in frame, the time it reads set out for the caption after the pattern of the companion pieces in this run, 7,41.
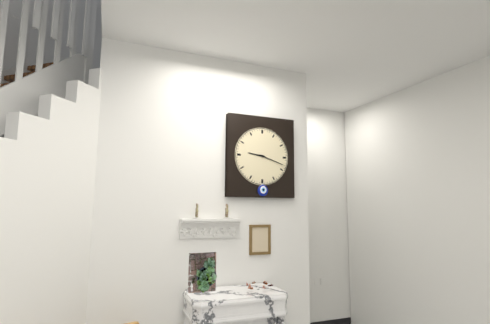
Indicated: 9,18
